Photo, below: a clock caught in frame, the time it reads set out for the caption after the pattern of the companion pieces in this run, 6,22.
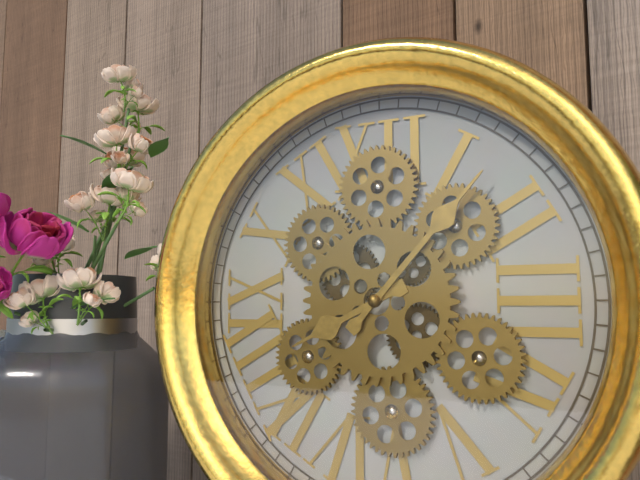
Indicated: 8,07
